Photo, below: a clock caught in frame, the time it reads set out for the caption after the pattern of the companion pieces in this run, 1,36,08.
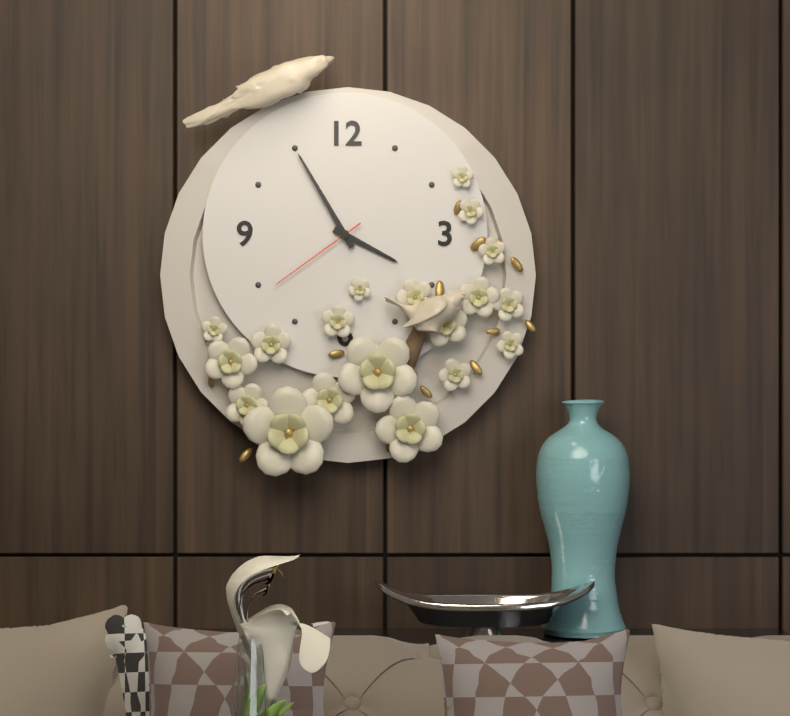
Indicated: 3,55,39
